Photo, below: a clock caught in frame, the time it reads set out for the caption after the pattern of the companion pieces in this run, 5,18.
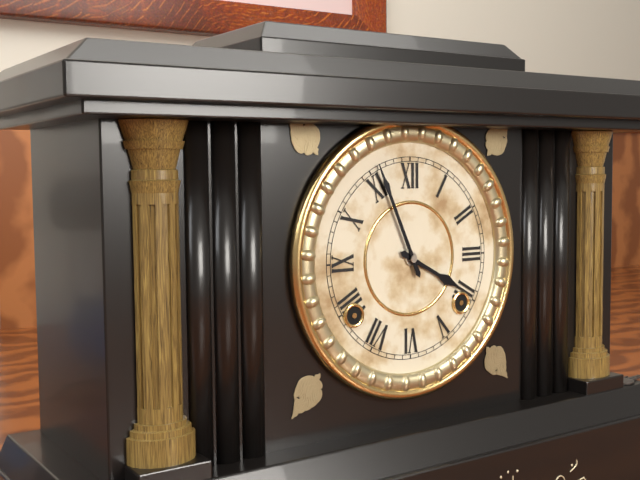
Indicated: 3,56
